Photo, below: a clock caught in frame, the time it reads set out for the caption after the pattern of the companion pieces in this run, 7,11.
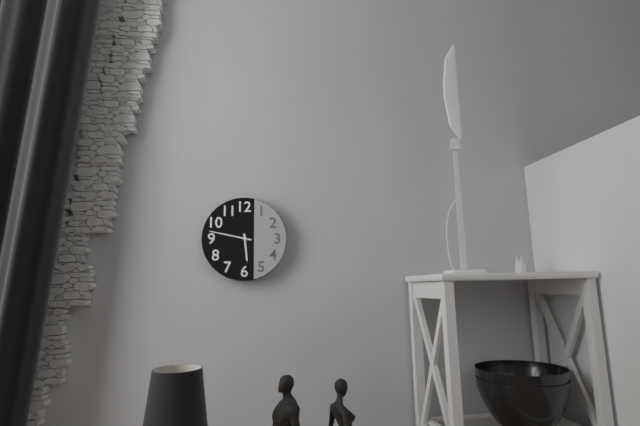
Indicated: 5,47
